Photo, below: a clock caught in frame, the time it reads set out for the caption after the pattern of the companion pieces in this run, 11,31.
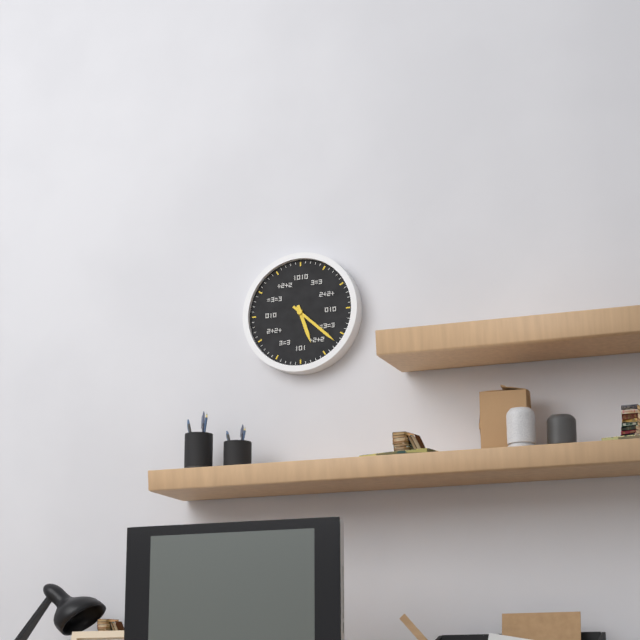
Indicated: 5,22
